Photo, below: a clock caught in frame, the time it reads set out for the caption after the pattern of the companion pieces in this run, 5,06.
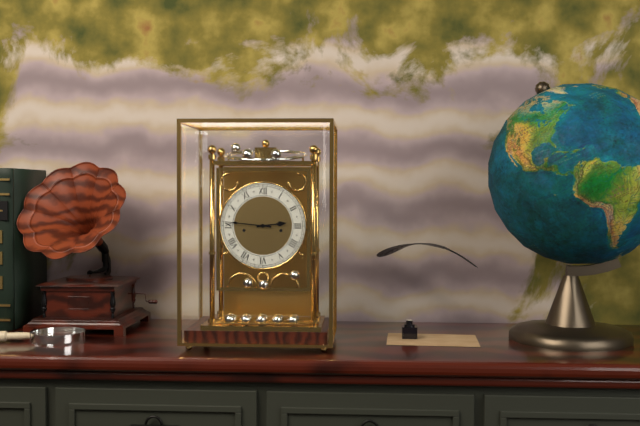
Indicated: 2,46
